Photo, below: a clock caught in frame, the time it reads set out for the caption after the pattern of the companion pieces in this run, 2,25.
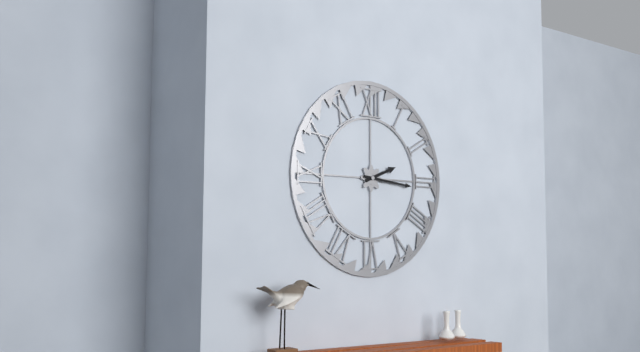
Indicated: 2,16
